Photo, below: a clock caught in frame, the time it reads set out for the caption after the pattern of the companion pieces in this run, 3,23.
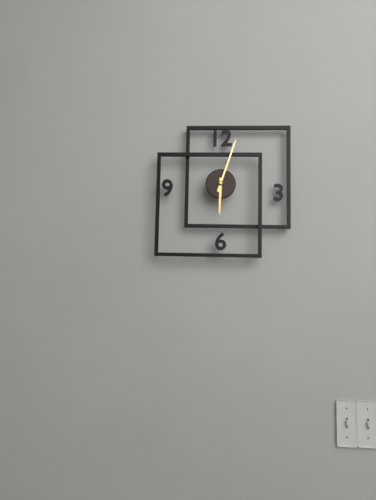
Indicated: 6,03
